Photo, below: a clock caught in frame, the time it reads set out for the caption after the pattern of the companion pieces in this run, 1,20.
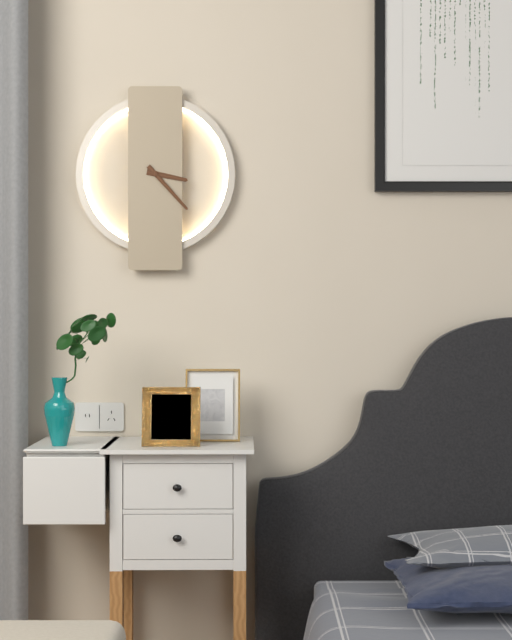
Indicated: 3,23
